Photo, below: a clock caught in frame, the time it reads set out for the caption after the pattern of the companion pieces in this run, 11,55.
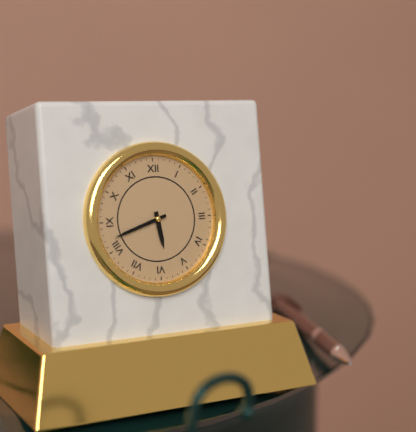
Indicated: 5,42
